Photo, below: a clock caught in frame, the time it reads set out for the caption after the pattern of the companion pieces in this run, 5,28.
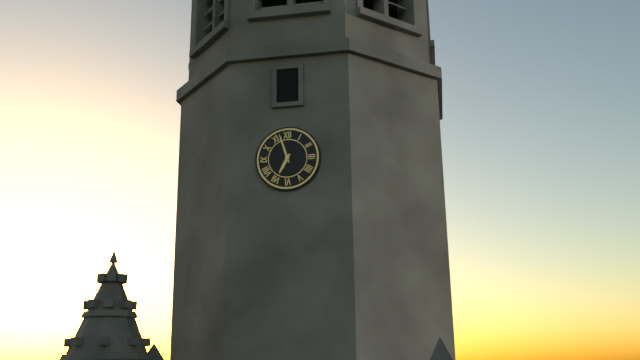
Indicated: 6,57
